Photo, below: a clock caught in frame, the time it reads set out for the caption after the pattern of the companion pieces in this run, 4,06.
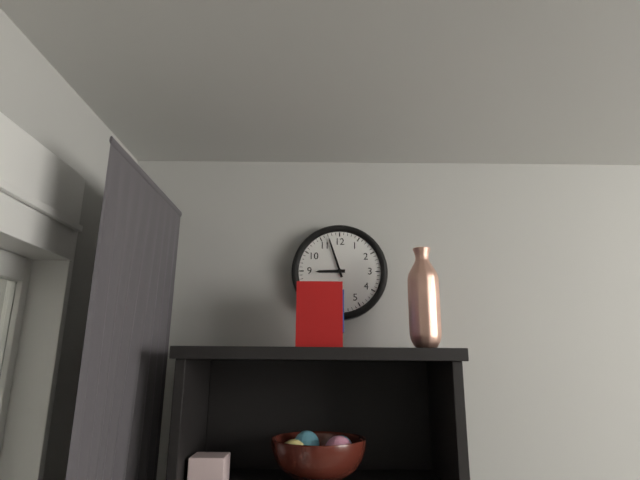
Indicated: 8,57
